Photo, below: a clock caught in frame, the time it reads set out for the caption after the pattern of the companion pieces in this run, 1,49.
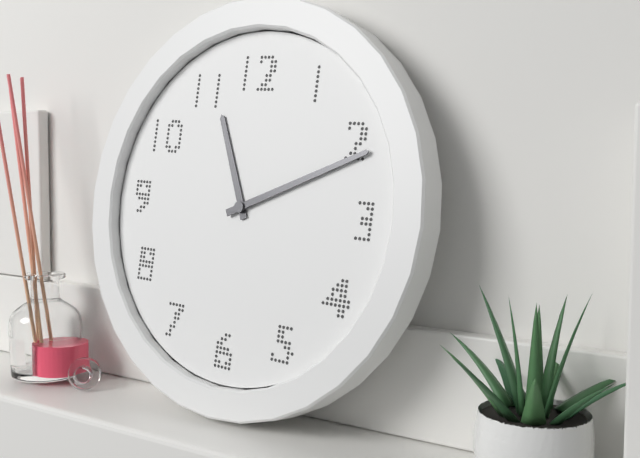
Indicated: 11,11
